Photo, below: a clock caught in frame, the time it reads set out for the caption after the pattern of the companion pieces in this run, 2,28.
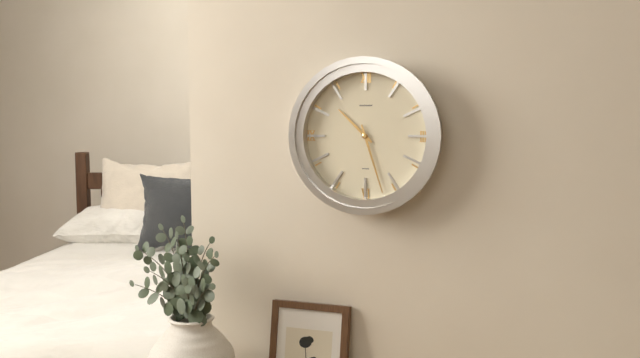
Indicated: 10,27
